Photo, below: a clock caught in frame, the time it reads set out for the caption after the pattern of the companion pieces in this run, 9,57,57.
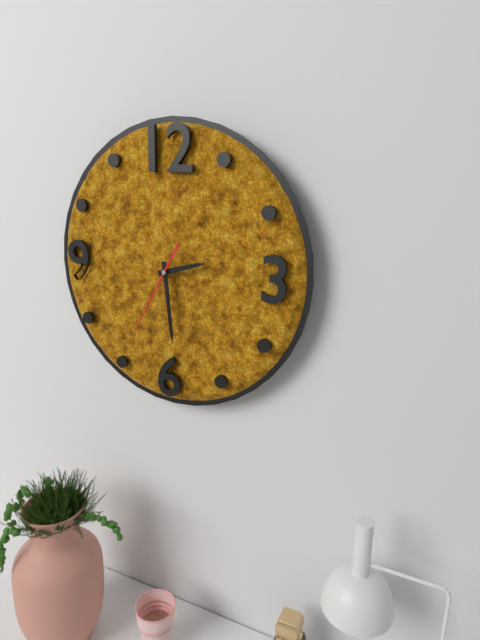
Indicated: 2,29,35
